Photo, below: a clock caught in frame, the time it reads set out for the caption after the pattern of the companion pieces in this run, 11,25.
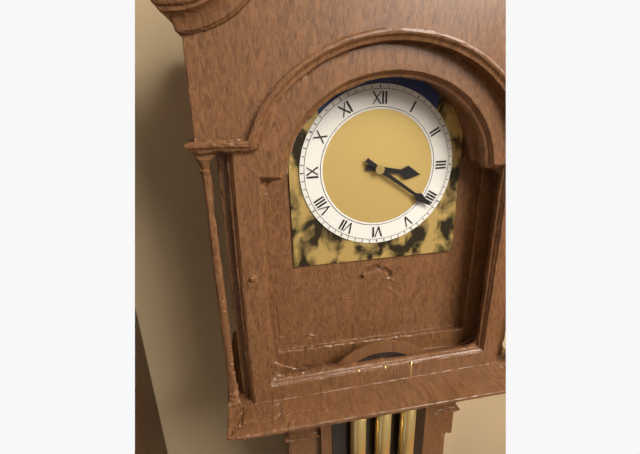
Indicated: 3,21
